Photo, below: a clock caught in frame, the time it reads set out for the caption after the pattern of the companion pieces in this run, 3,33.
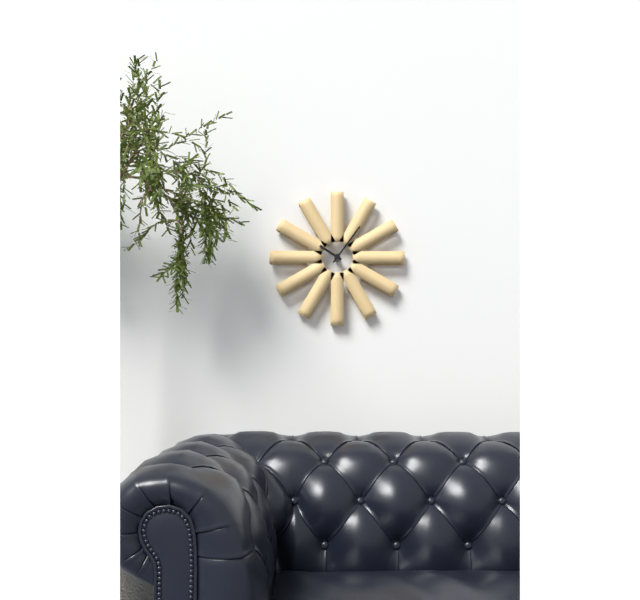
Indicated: 10,06
